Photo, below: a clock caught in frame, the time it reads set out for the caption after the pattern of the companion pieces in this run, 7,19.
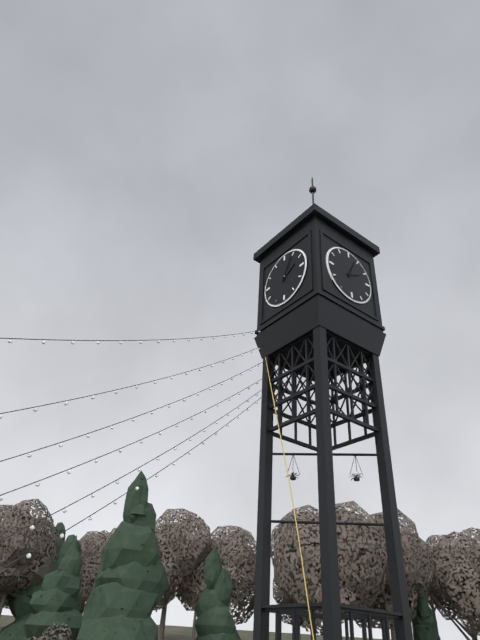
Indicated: 2,04
